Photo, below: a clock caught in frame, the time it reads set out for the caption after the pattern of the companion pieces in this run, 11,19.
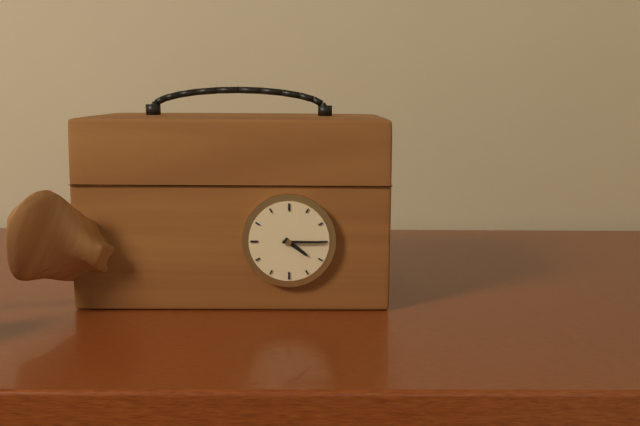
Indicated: 4,15
